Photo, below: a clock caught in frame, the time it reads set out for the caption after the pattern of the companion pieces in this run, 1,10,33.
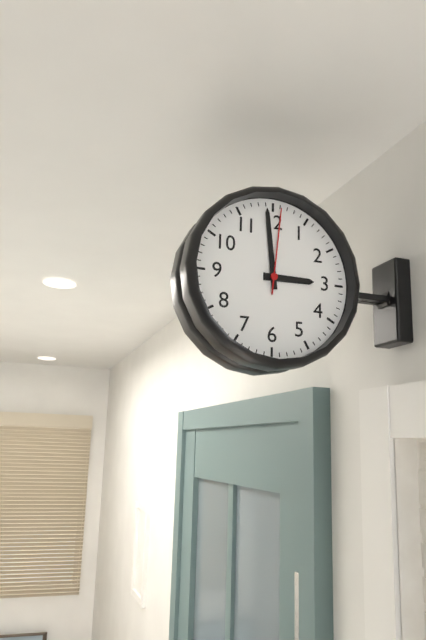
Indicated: 2,59,01
